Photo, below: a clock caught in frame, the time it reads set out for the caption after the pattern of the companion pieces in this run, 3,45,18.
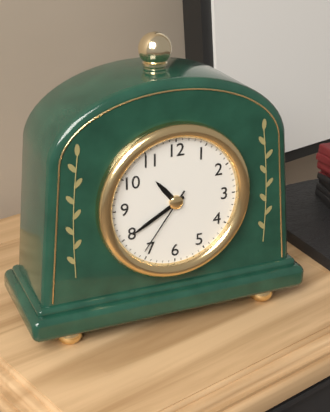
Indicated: 10,40,36
